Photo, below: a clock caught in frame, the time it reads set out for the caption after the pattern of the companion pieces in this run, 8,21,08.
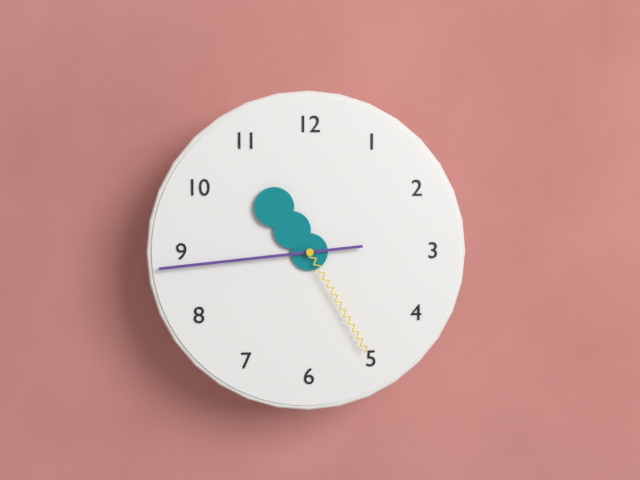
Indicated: 10,44,25
